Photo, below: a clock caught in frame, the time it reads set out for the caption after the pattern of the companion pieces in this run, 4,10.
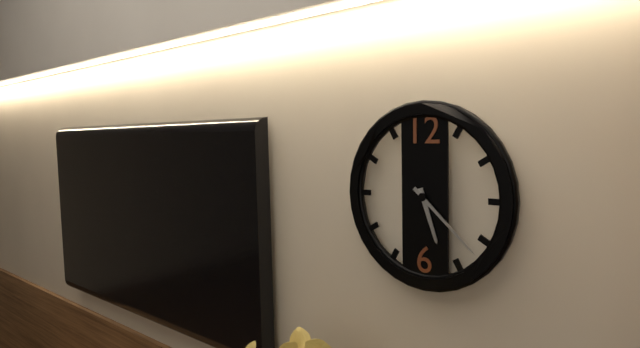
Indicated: 5,22
